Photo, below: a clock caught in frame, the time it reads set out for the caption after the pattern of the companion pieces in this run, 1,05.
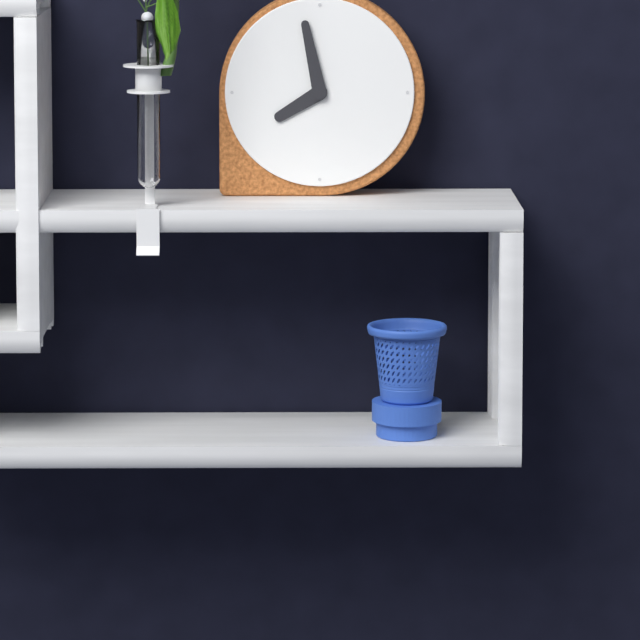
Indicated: 7,58
